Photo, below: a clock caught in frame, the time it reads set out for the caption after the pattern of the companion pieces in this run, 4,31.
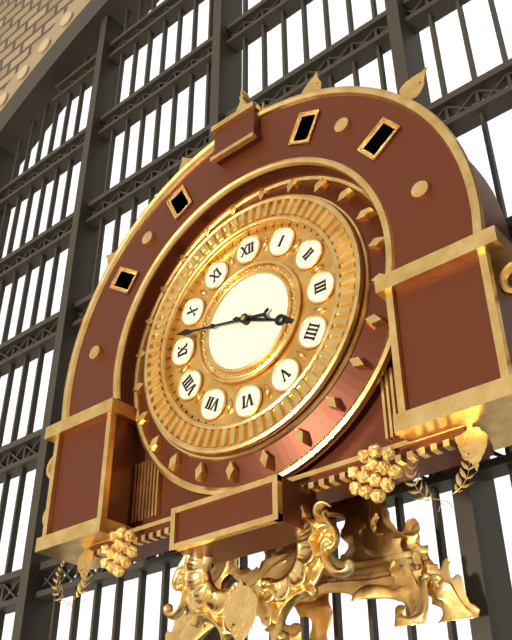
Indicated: 3,47
